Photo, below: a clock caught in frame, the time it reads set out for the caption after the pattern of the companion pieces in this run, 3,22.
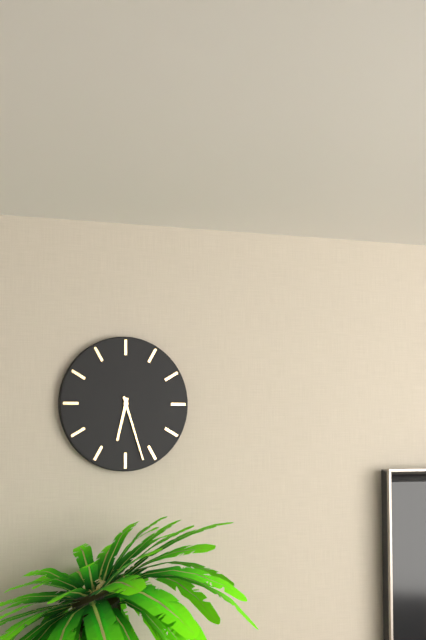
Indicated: 6,27
